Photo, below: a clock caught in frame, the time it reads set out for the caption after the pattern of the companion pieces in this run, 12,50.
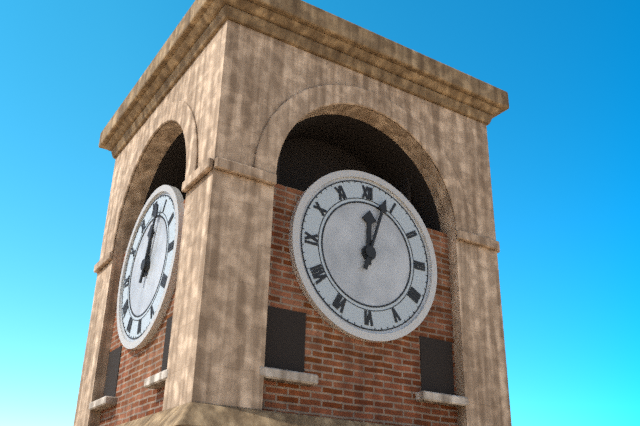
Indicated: 12,03
